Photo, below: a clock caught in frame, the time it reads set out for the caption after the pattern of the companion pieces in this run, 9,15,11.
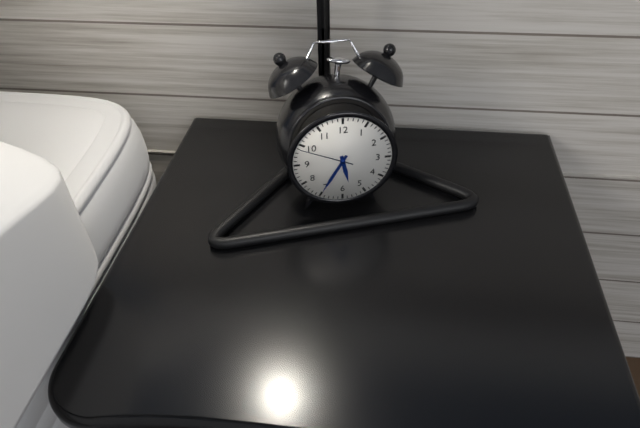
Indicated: 5,35,49
